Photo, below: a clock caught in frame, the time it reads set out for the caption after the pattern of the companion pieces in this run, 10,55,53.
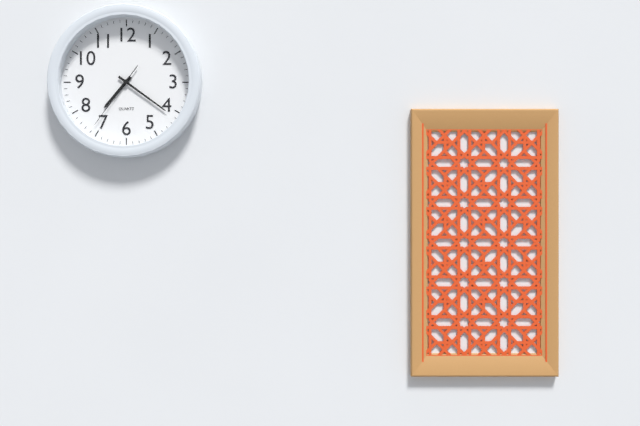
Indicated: 7,21,36
